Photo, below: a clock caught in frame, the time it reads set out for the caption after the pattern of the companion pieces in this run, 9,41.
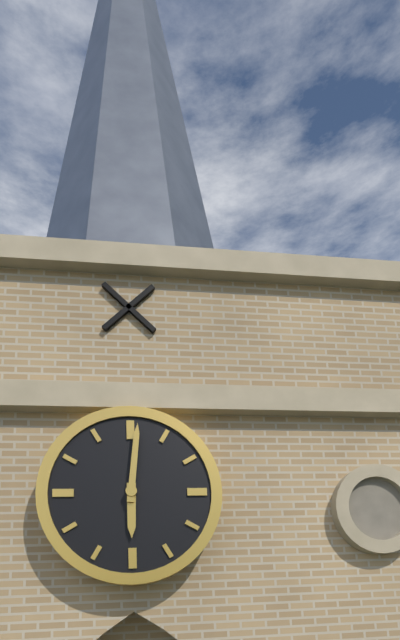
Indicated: 6,01
